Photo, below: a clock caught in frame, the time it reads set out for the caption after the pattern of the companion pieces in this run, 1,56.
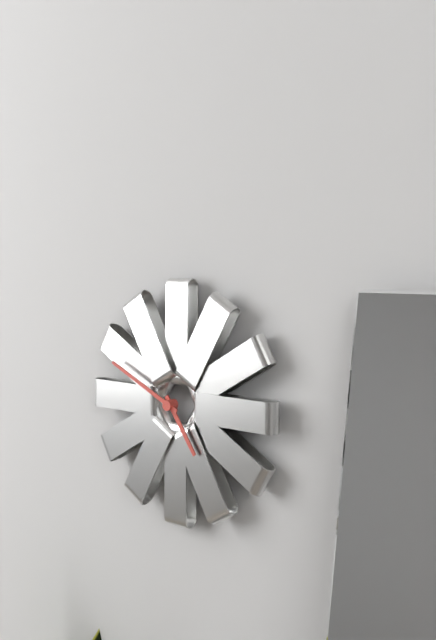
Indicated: 4,49
